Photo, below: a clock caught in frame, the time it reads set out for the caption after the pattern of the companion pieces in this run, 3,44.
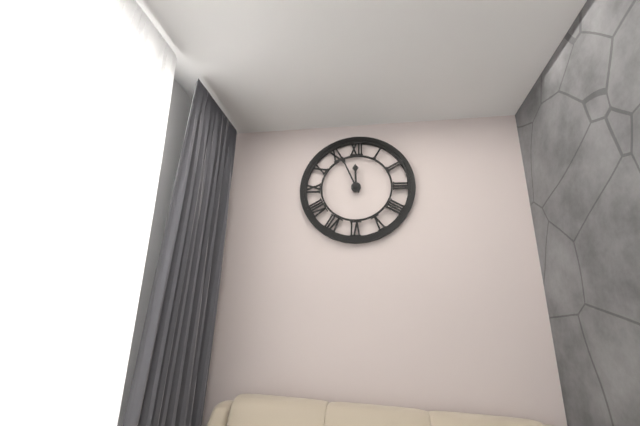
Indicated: 11,56
